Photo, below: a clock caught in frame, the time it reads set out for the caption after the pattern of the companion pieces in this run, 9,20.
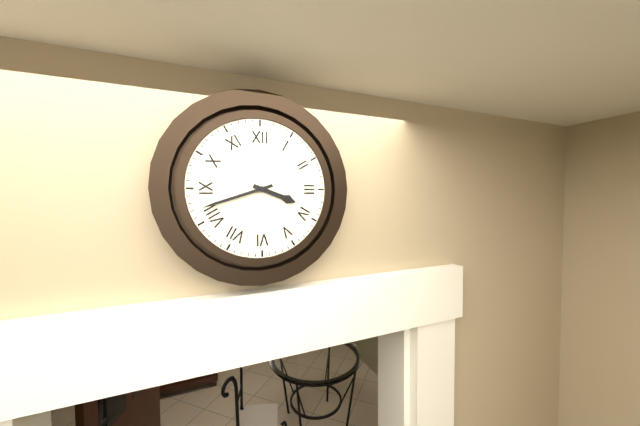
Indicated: 3,42
